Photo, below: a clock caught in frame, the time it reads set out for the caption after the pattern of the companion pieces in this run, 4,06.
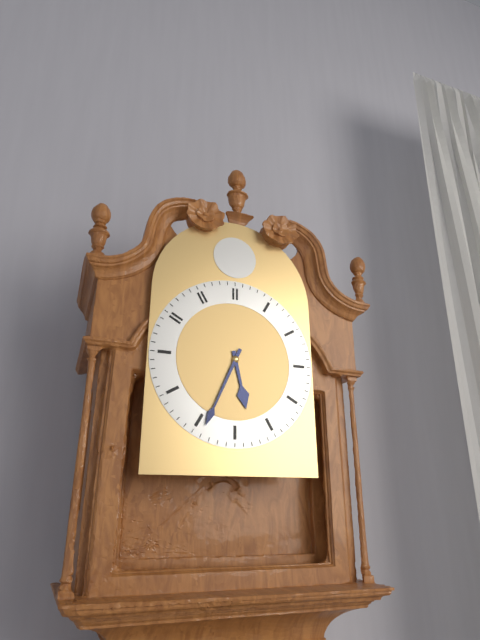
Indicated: 5,34
